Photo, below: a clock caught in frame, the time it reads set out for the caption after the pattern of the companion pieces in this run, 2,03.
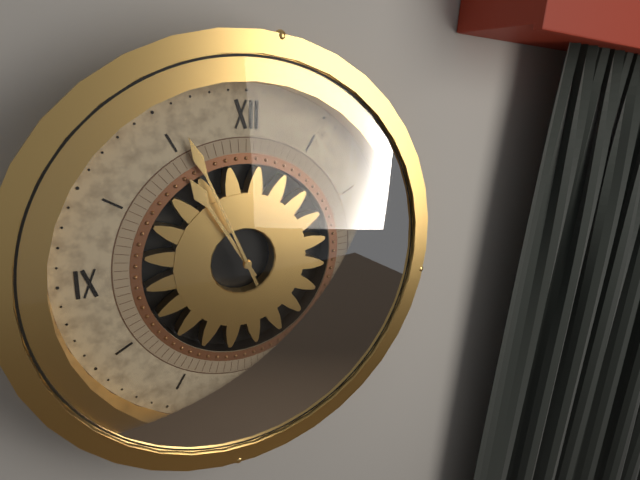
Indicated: 10,56
